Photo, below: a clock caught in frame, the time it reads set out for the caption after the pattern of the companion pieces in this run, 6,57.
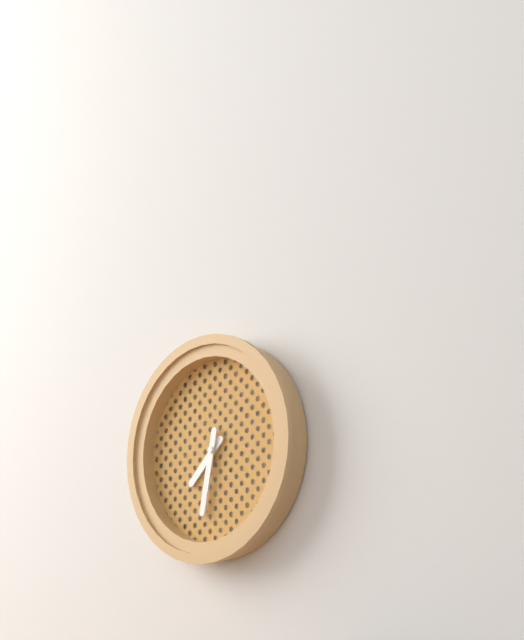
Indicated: 7,32
